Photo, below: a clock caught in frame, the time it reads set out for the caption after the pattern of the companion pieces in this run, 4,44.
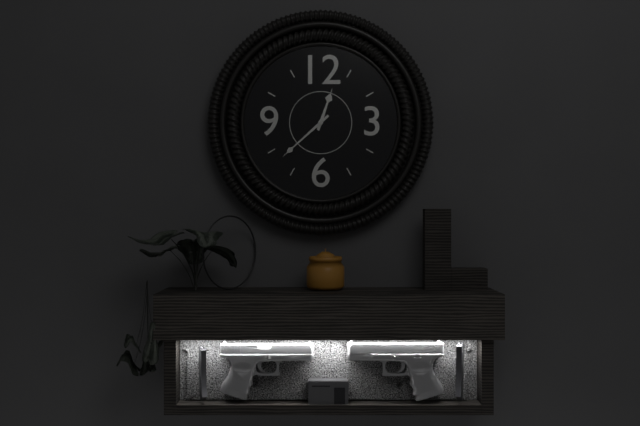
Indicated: 12,38
